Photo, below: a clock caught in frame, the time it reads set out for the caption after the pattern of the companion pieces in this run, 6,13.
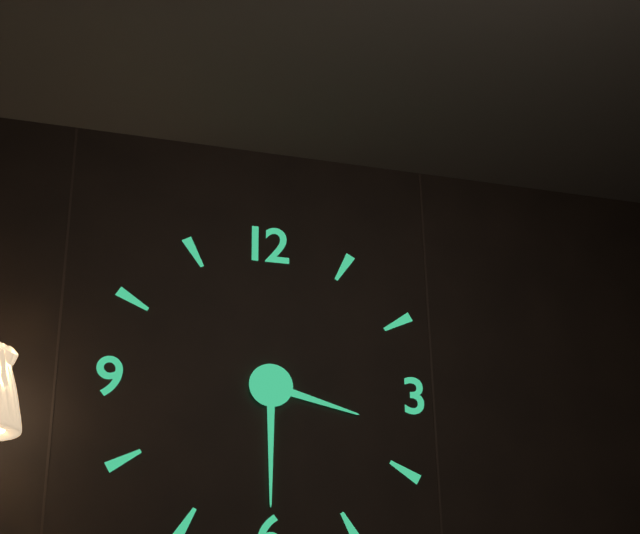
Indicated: 3,30
